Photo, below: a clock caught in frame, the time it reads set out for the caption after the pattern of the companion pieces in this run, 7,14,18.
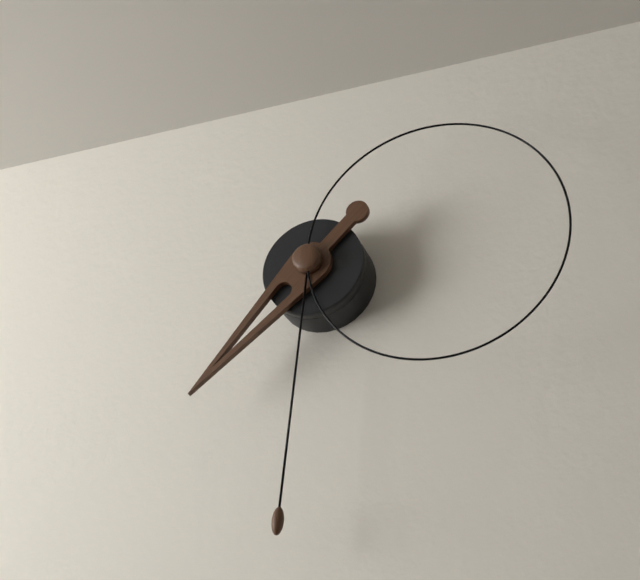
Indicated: 7,31,15
